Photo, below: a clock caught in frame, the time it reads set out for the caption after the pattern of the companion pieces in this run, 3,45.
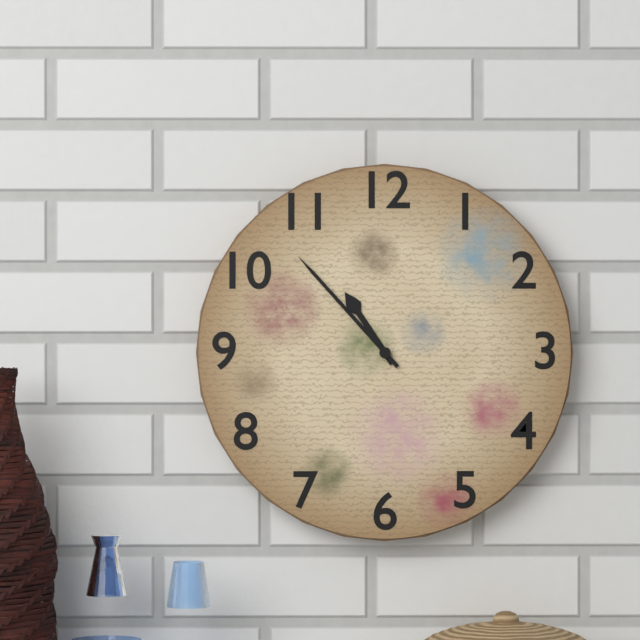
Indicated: 10,53
